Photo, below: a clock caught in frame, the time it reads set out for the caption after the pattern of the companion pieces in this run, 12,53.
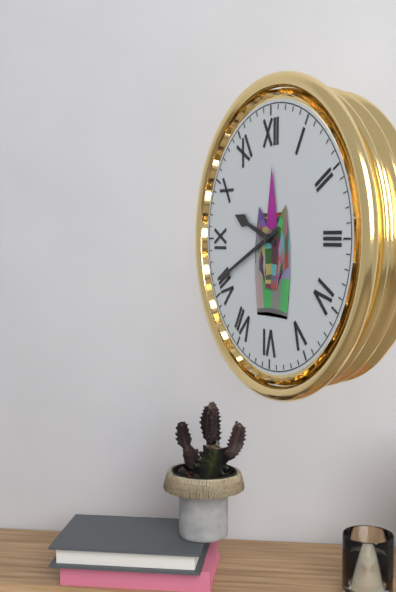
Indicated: 9,41
